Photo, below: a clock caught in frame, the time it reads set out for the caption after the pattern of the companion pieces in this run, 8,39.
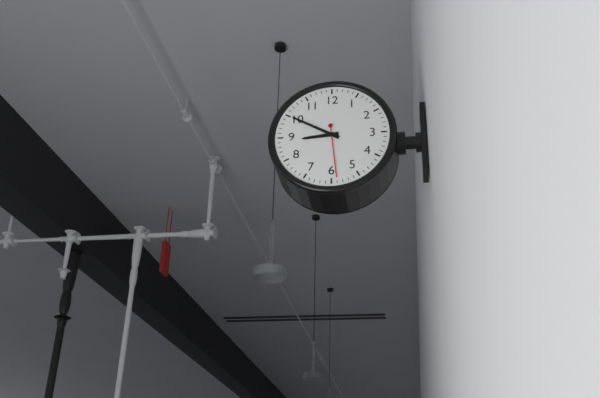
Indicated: 8,50
